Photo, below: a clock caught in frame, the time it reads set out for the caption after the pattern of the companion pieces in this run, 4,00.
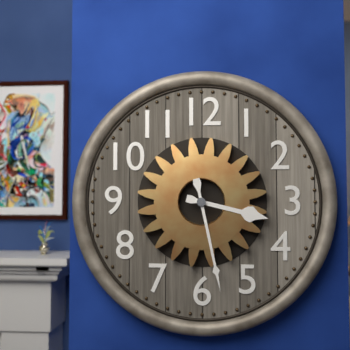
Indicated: 3,28
